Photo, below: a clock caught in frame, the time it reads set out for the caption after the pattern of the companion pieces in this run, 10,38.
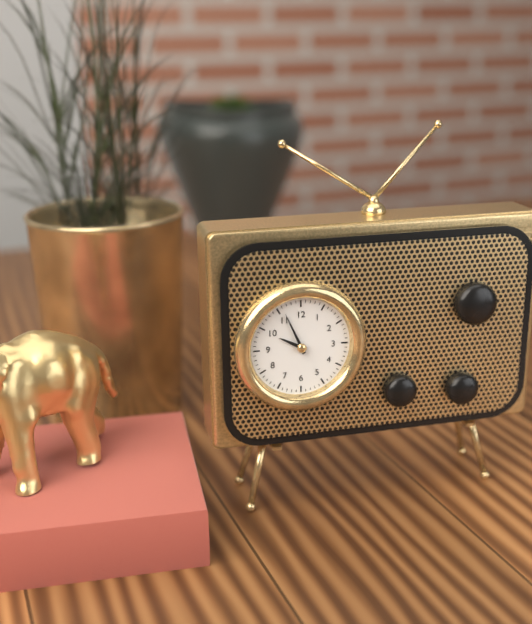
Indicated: 9,56
